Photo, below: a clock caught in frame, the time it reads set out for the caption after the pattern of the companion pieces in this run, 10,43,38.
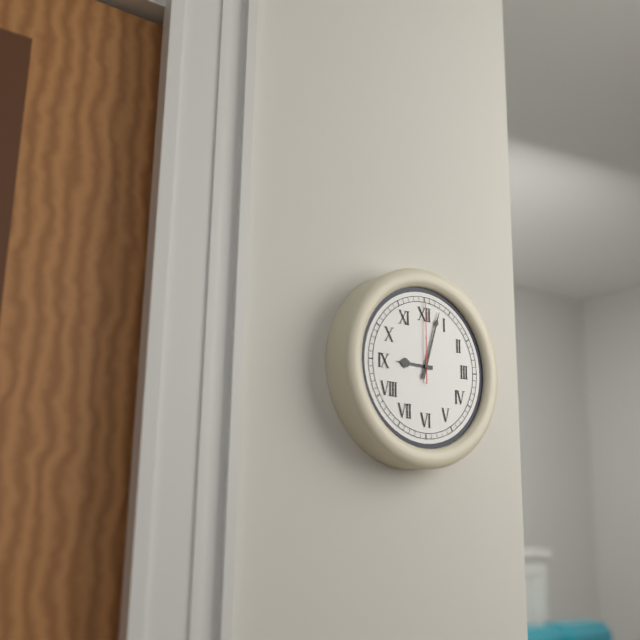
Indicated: 9,03,00
